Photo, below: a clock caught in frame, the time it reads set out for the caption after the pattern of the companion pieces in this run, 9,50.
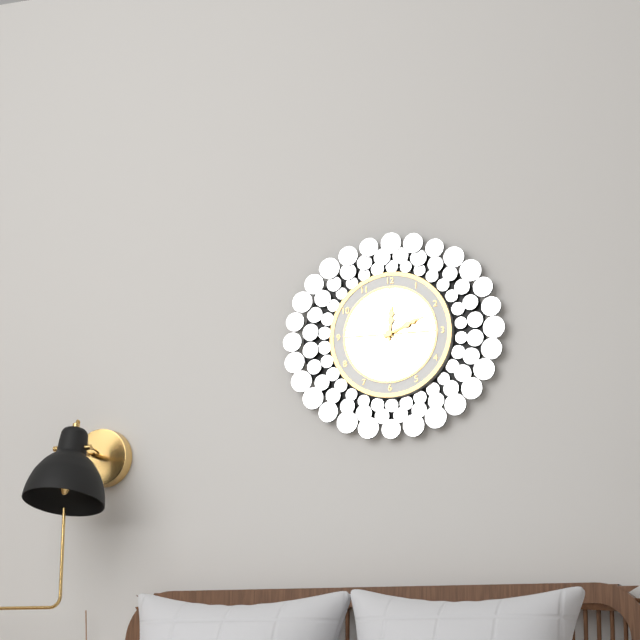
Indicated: 12,11
